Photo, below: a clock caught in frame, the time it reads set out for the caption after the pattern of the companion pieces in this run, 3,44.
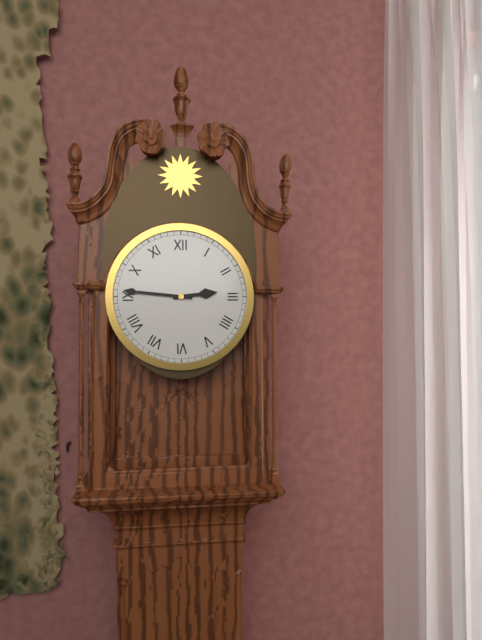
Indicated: 2,46
